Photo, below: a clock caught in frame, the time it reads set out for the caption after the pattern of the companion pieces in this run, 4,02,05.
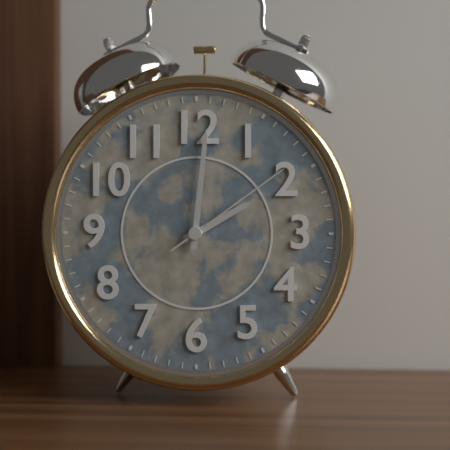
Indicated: 2,01,09
